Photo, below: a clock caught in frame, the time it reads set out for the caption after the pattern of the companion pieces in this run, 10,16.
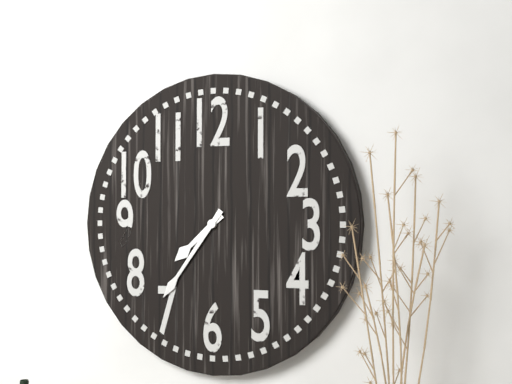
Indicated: 7,36
